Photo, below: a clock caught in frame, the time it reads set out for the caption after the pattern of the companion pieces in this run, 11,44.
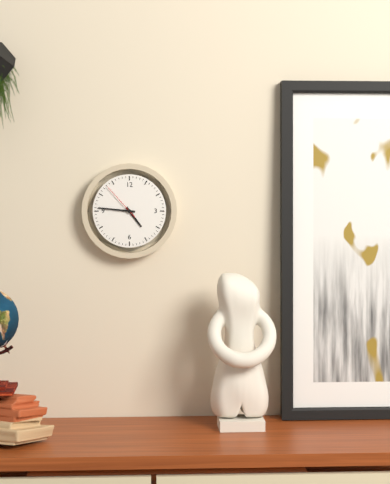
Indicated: 4,46
